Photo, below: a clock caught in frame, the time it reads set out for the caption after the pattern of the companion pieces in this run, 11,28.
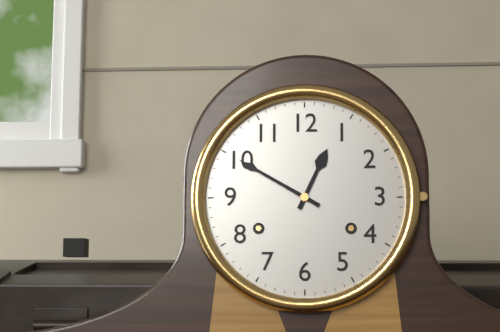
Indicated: 12,50
